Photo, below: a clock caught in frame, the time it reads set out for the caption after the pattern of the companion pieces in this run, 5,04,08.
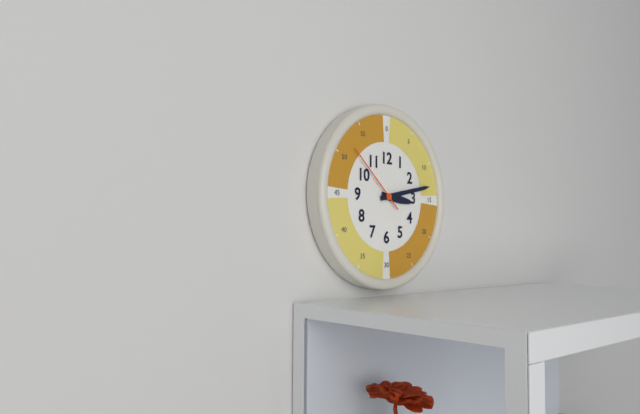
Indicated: 3,13,52
